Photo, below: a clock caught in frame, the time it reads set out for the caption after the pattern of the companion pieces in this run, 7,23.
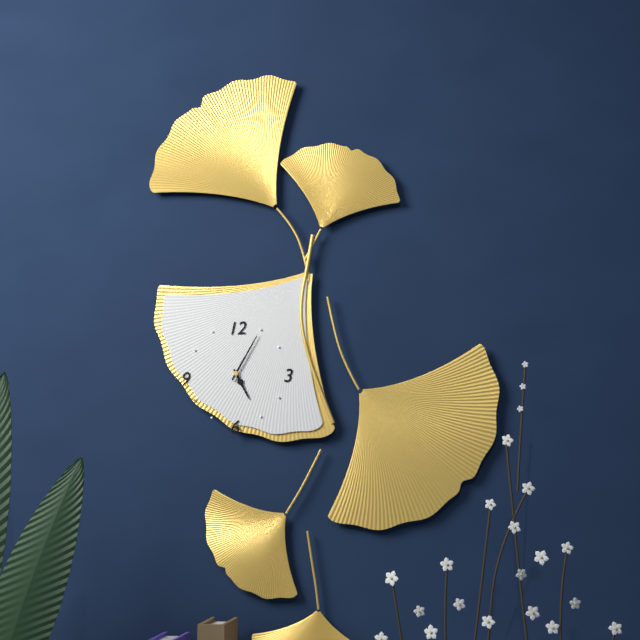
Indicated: 5,05
